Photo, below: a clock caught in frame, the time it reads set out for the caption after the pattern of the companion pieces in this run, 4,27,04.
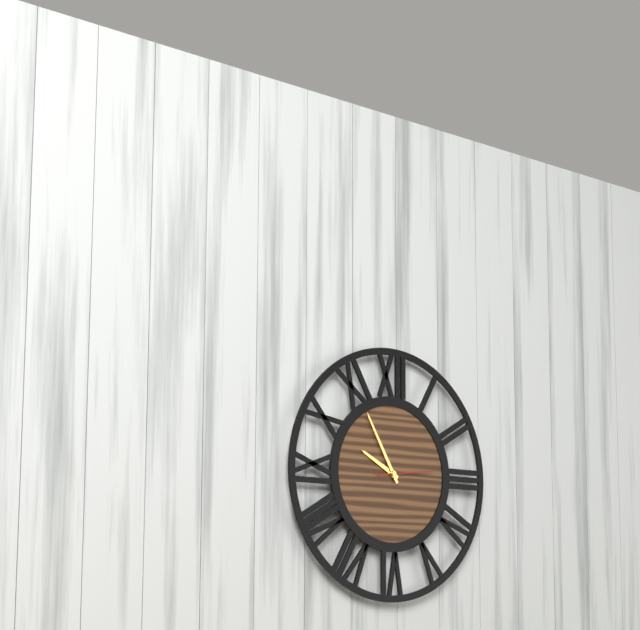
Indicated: 9,55,14
